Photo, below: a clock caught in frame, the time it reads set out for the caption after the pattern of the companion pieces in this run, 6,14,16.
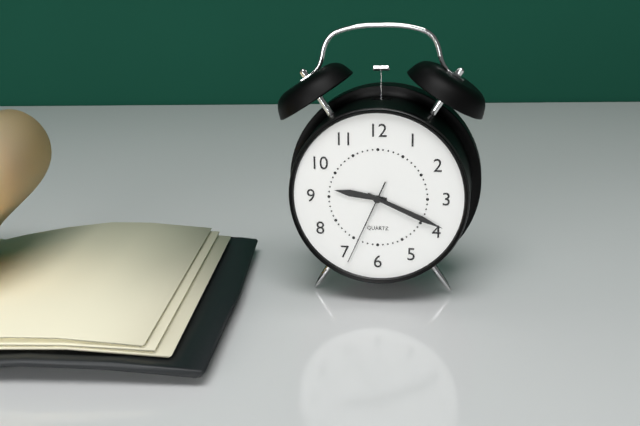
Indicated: 9,19,34
